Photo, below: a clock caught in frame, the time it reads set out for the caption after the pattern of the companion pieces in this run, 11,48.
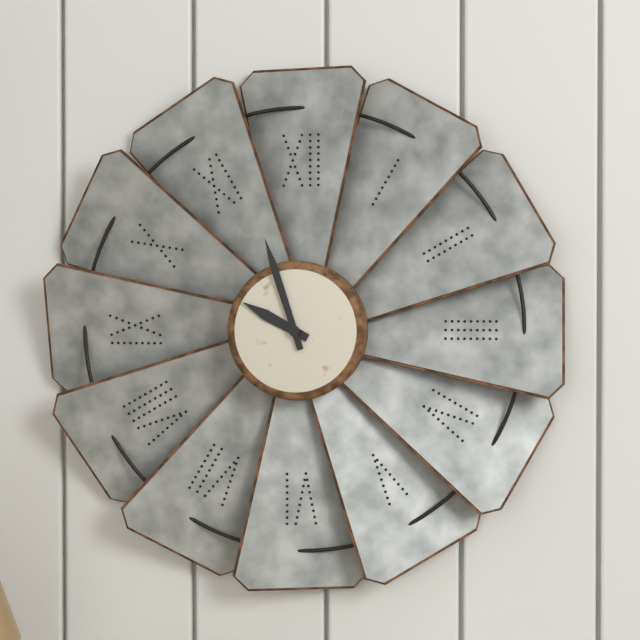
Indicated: 9,57
